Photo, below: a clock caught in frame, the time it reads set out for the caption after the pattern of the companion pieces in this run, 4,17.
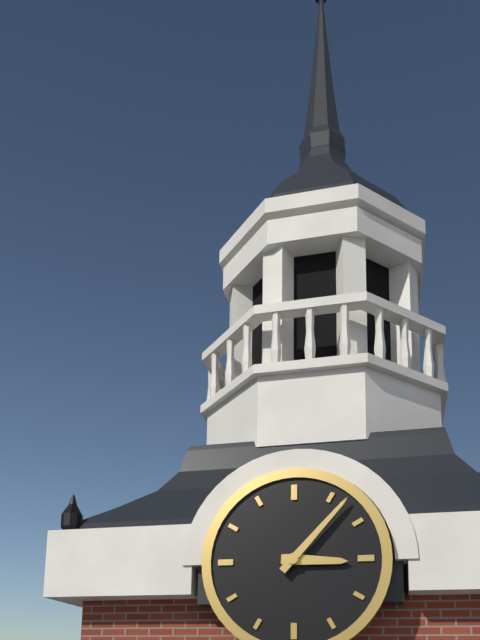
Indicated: 3,07
